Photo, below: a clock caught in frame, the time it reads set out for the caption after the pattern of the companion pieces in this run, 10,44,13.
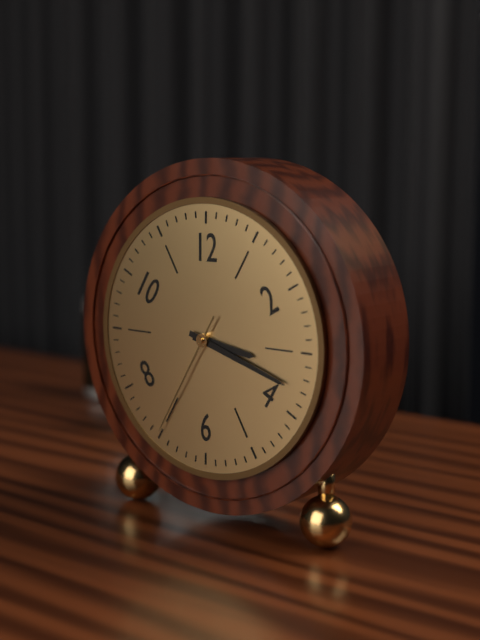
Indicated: 3,18,35
